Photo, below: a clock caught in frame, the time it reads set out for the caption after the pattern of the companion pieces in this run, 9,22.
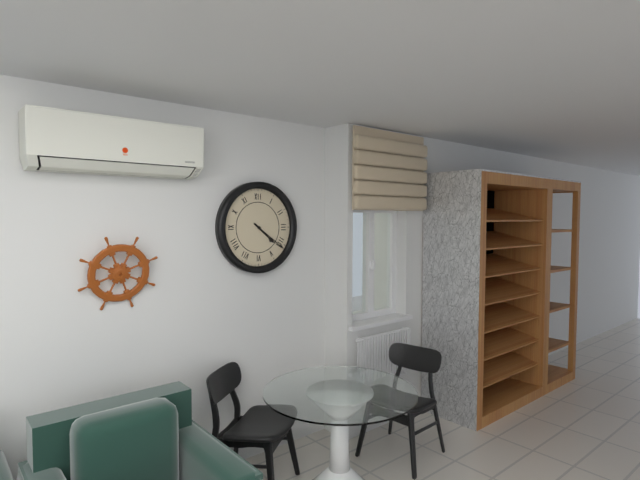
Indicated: 4,21
